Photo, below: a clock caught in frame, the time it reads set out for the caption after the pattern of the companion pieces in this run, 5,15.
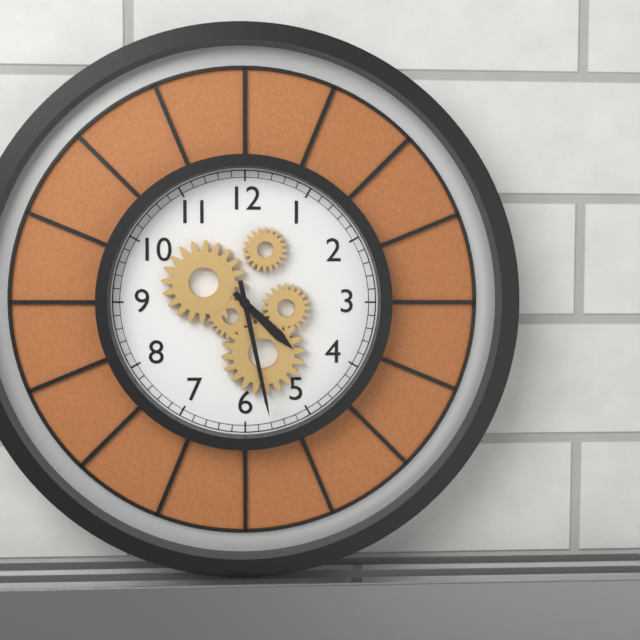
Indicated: 4,28
